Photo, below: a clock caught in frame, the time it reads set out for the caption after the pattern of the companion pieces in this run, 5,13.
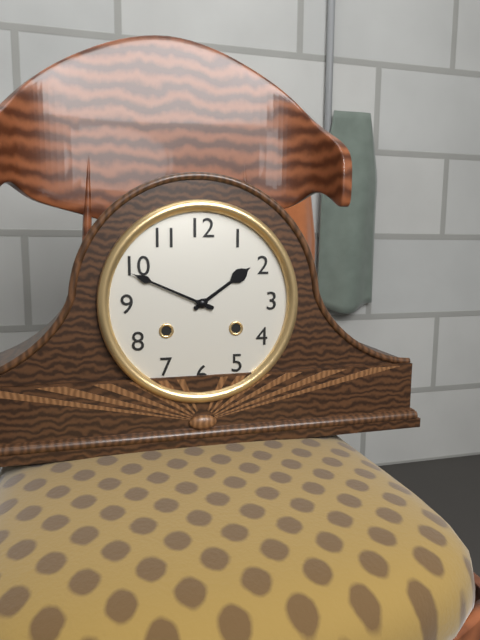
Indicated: 1,49
